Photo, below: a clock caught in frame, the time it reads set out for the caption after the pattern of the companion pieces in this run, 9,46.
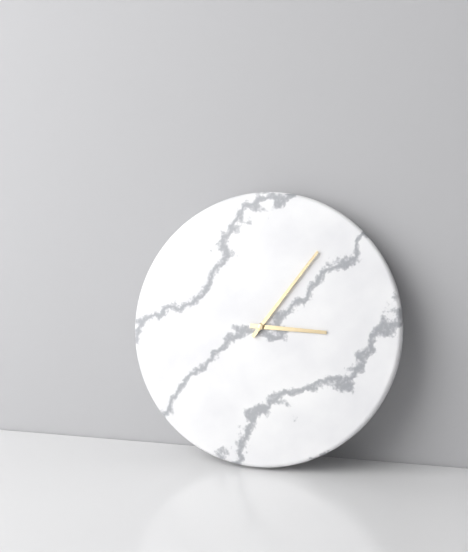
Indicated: 3,06
